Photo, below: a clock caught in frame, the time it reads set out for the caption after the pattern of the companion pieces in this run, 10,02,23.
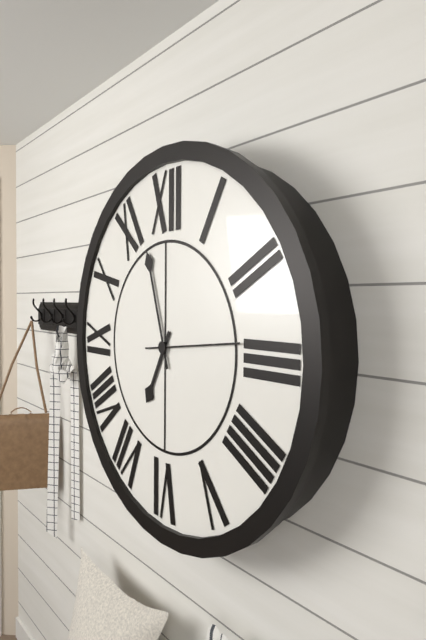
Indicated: 6,57,14
